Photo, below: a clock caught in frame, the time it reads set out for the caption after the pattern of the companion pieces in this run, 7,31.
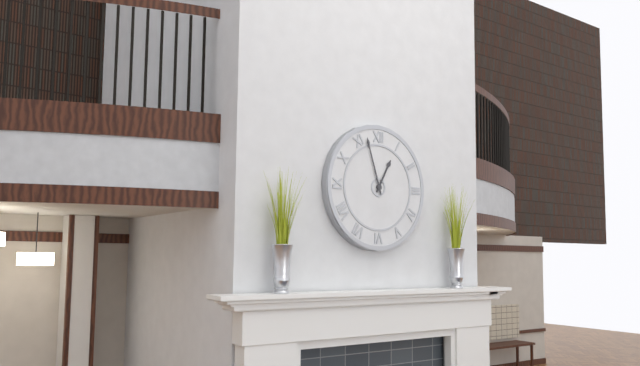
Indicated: 12,57
